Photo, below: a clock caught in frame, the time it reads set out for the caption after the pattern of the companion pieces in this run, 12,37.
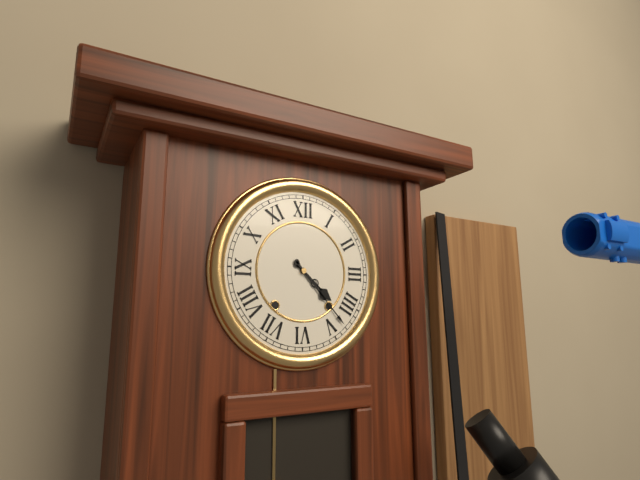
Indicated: 4,23
